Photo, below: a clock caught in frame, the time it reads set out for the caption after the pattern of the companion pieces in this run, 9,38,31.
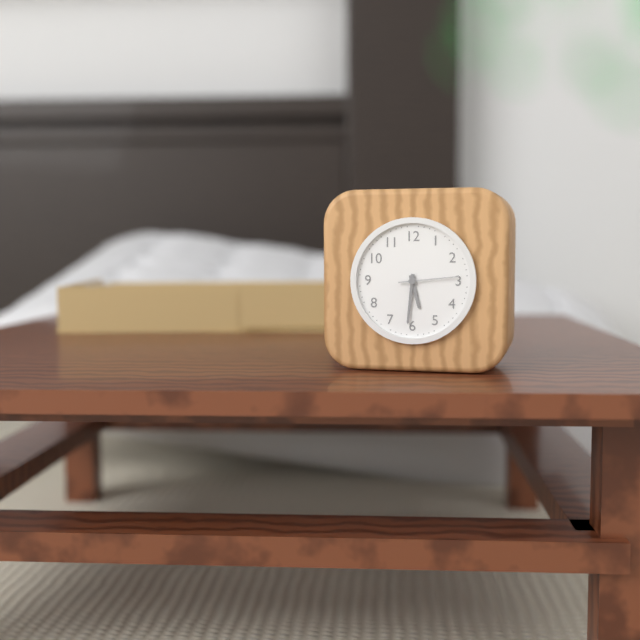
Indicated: 5,31,14
